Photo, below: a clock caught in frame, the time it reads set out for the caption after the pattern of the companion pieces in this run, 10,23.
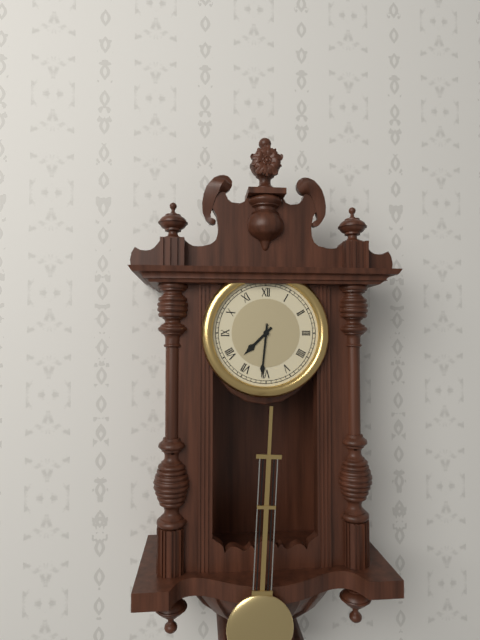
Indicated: 7,31
